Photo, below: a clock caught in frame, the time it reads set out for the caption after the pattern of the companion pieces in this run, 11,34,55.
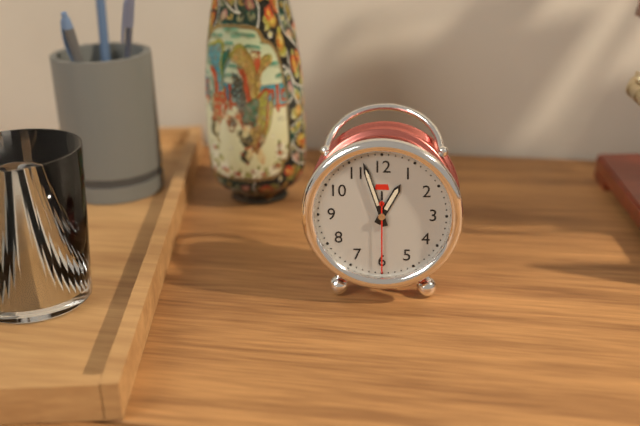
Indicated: 12,57,30
